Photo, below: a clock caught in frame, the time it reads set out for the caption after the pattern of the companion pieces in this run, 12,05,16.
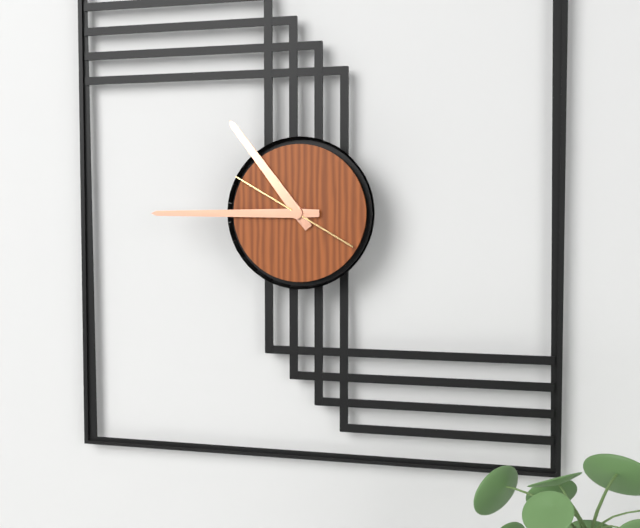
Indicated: 10,45,50
